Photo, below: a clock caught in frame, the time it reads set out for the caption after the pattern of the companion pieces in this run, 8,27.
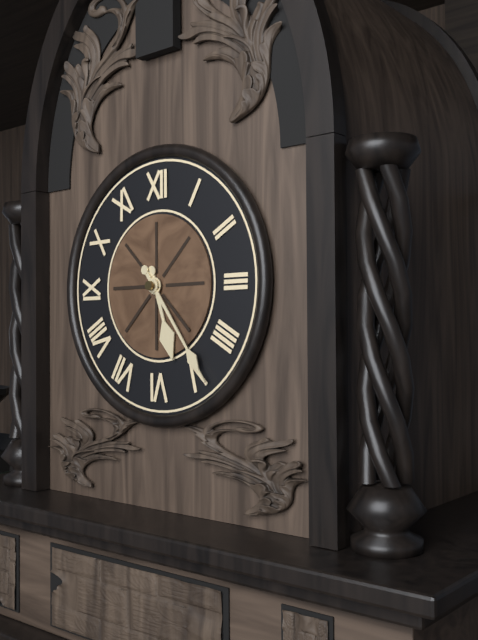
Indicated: 5,24
